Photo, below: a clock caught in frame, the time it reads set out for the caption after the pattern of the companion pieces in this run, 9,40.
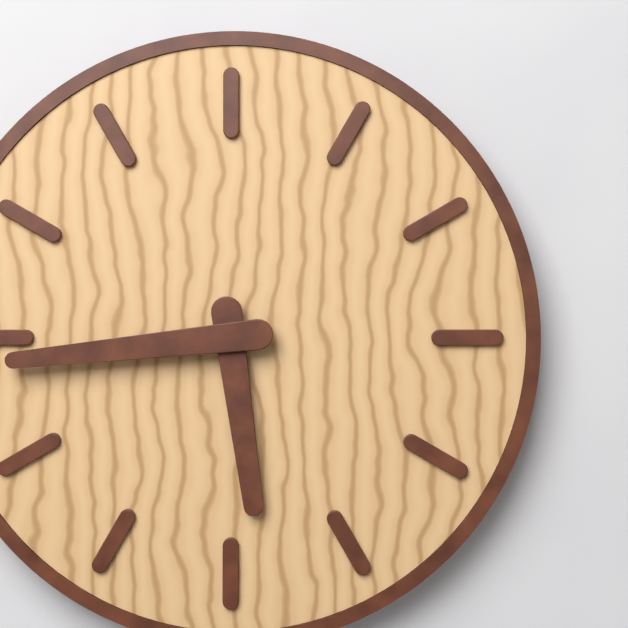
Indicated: 5,44
